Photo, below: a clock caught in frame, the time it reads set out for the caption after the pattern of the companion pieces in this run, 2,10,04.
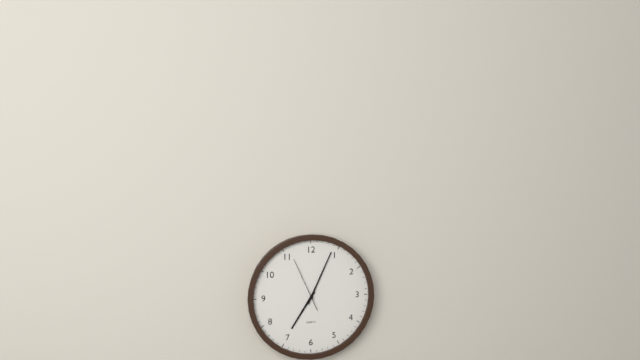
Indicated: 7,04,56
